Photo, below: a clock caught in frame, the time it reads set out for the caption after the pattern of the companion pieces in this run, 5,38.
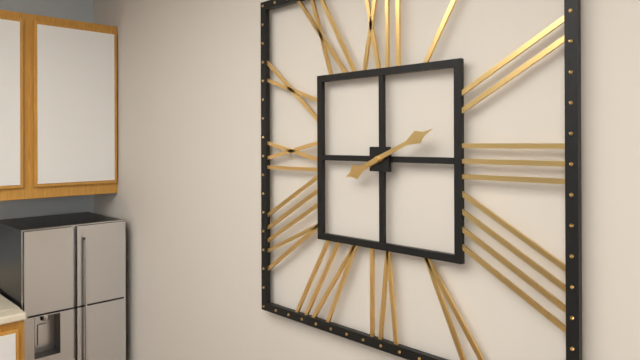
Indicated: 8,11
